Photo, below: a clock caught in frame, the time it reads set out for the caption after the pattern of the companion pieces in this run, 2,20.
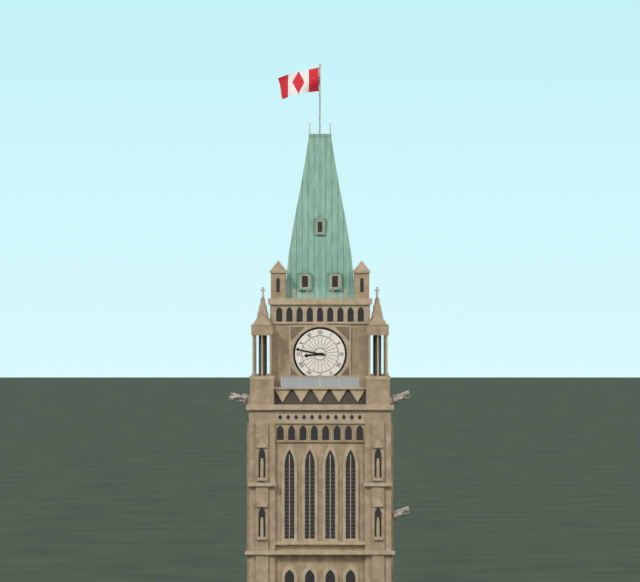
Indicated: 8,47
